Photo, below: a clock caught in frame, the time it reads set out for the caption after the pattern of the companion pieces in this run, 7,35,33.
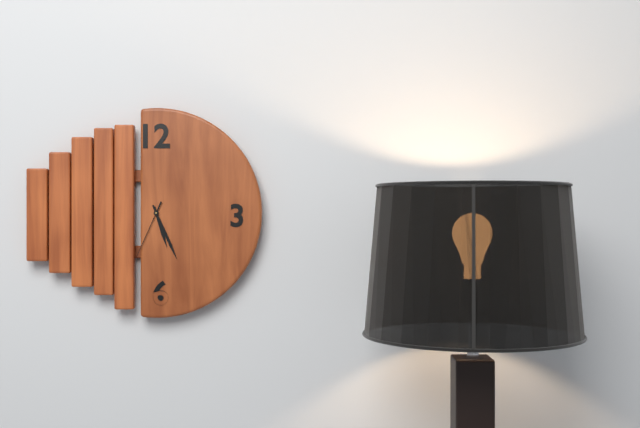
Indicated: 5,26,34
